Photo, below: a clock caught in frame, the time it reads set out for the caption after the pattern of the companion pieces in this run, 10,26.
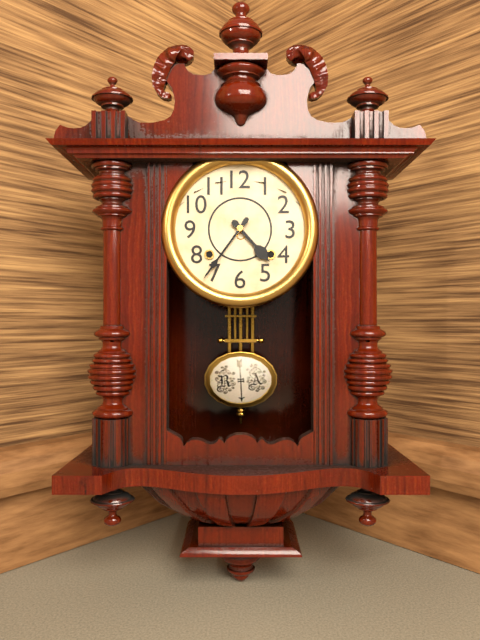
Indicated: 4,36
